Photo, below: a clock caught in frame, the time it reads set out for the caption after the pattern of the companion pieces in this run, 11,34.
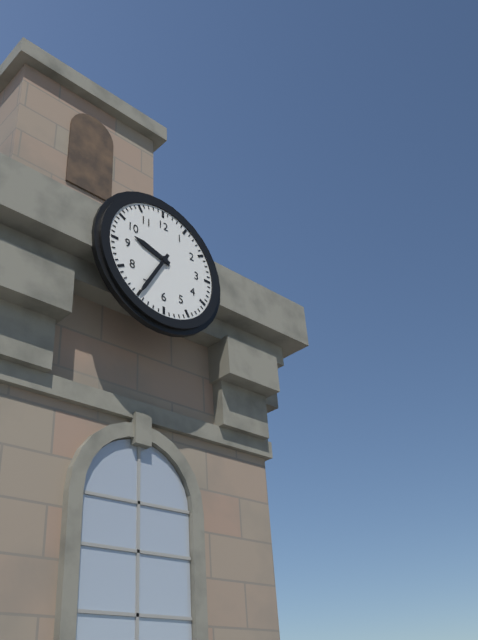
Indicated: 9,35
